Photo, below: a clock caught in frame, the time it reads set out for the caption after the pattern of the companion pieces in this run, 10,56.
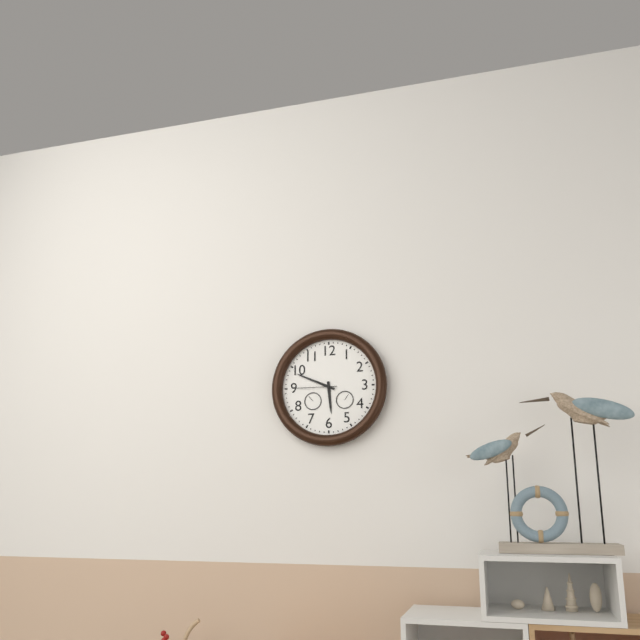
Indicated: 5,49
